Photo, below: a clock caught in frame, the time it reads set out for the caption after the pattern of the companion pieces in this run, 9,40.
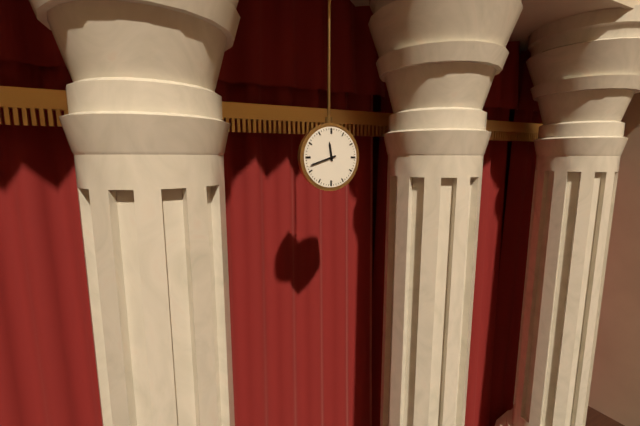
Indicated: 11,42
